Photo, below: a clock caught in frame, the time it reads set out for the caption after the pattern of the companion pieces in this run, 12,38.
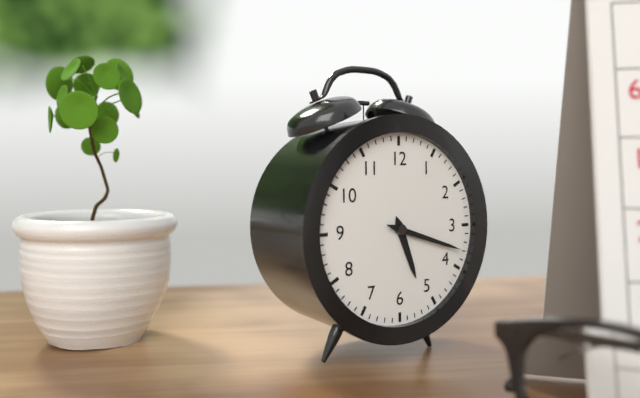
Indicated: 5,18
